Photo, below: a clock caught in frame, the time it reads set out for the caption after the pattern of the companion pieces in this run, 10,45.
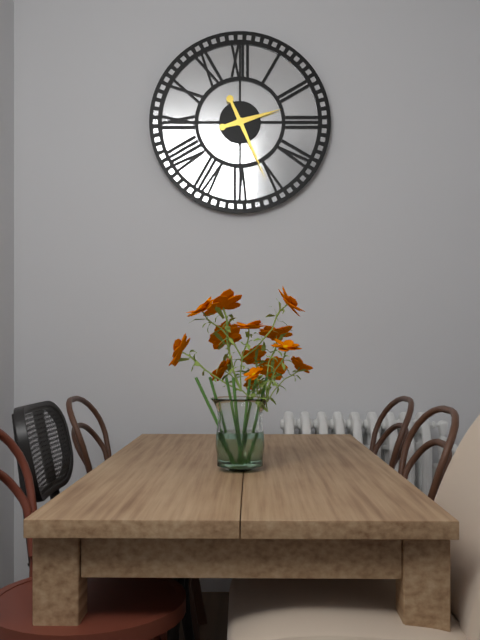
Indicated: 2,26
